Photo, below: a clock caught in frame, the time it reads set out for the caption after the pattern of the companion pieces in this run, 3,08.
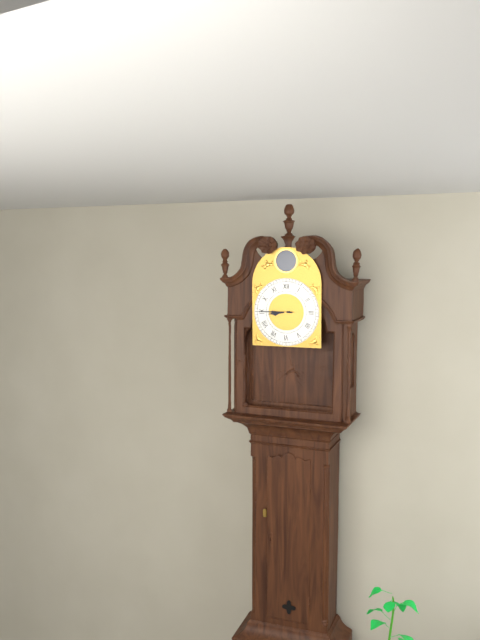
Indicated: 8,45
